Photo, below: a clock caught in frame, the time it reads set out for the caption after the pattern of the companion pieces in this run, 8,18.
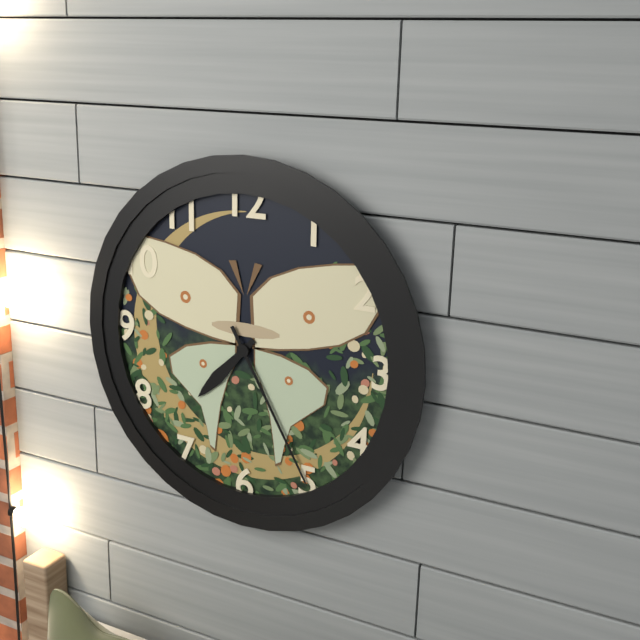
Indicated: 7,25
